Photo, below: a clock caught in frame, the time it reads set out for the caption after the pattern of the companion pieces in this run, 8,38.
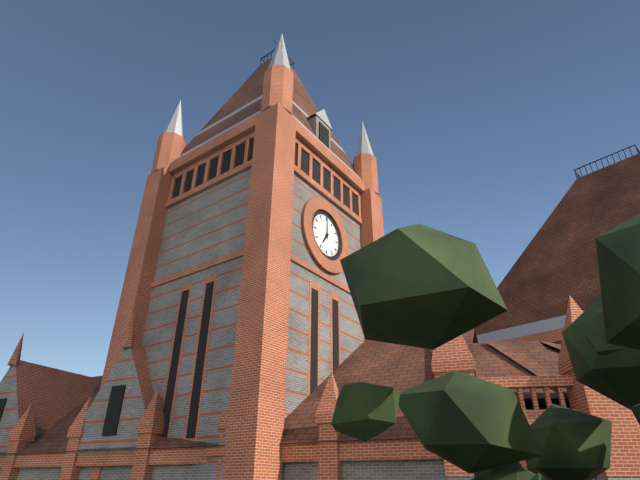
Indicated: 7,00
